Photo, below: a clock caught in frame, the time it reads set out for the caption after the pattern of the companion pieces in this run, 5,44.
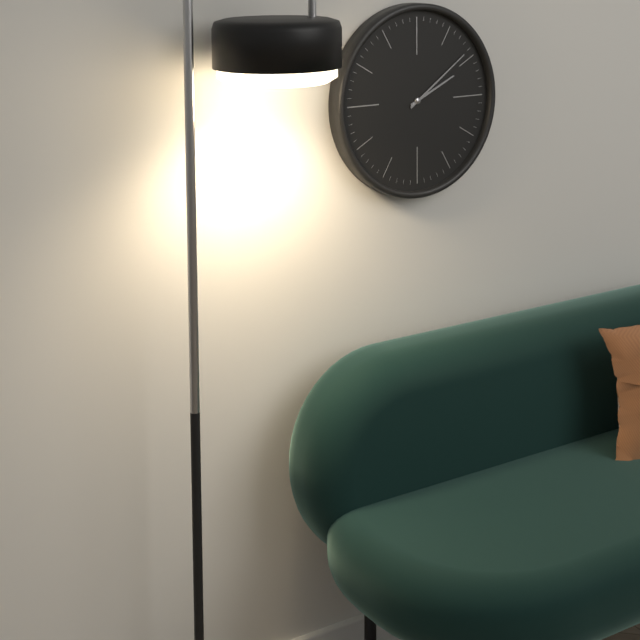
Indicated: 2,09
